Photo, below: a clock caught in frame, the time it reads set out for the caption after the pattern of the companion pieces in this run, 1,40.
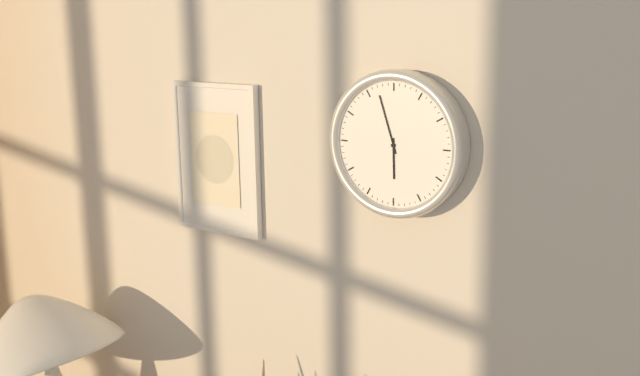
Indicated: 5,57
